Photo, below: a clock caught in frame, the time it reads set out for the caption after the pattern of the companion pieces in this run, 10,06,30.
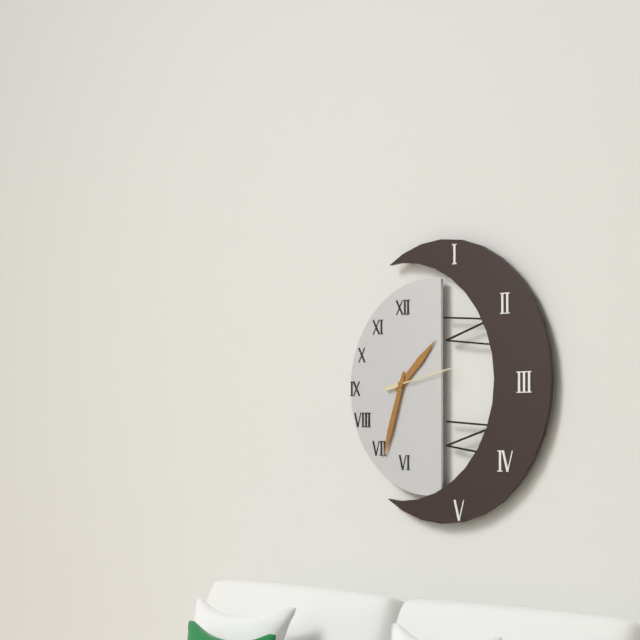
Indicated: 1,33,13
